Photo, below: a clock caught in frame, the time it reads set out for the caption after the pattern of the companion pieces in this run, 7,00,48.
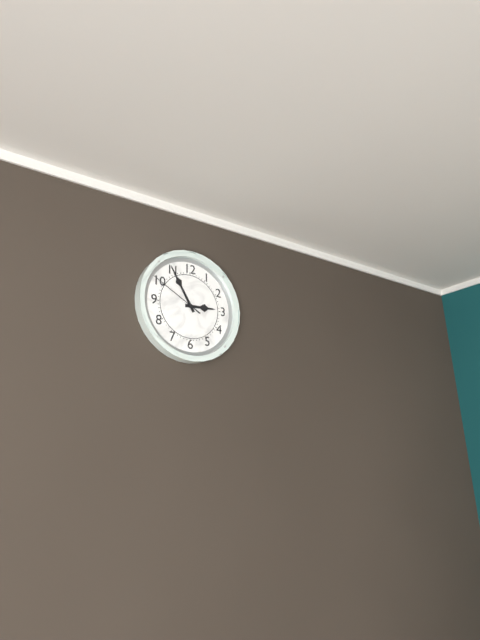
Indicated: 2,55,50
